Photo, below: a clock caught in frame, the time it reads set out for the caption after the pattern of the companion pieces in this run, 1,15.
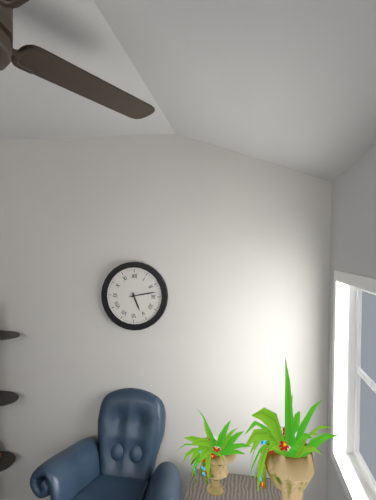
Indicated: 5,13
